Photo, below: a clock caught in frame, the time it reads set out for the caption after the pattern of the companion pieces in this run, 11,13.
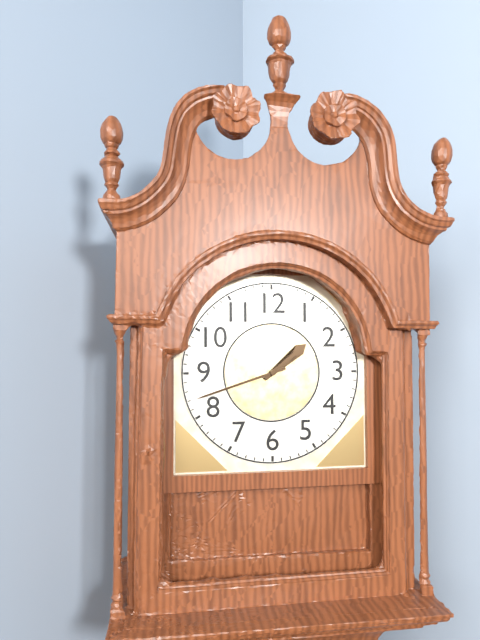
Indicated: 1,42
